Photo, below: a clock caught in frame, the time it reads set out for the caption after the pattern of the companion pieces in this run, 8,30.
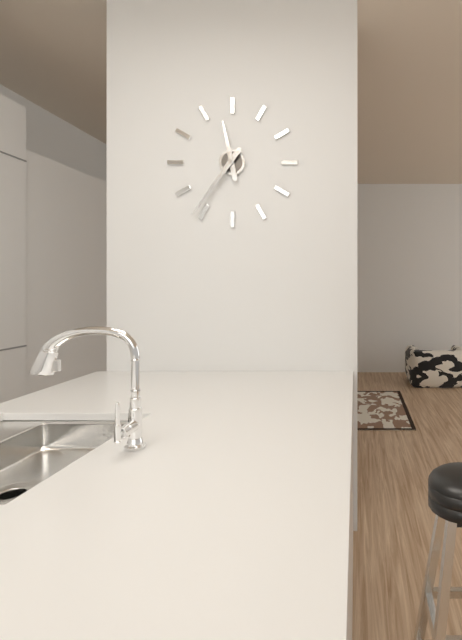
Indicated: 11,36
